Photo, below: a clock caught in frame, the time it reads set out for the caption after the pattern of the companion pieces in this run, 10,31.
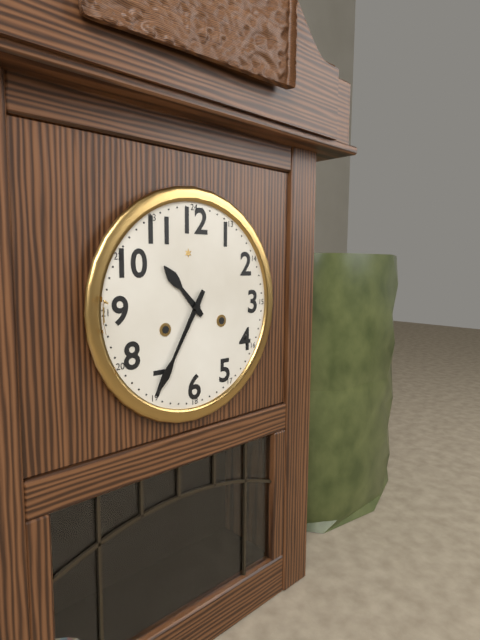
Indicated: 10,35
